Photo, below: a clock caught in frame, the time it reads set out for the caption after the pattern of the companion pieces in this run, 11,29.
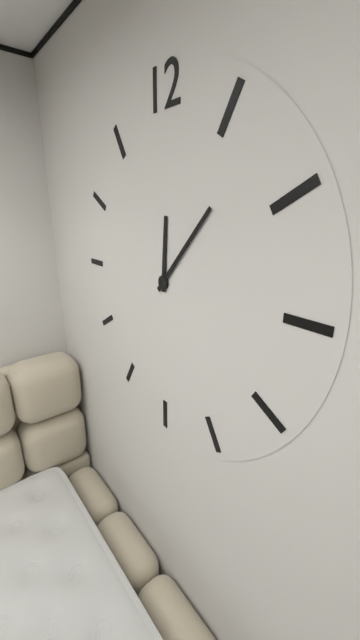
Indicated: 12,07
